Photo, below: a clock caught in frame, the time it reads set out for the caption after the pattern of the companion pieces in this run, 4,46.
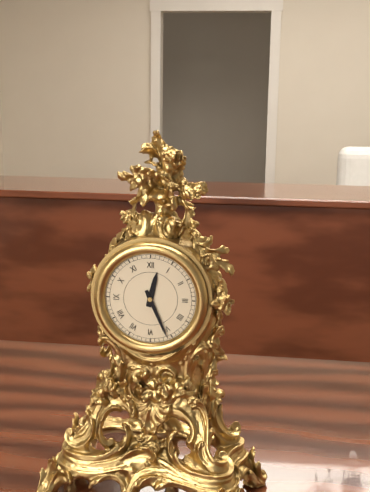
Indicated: 12,26
